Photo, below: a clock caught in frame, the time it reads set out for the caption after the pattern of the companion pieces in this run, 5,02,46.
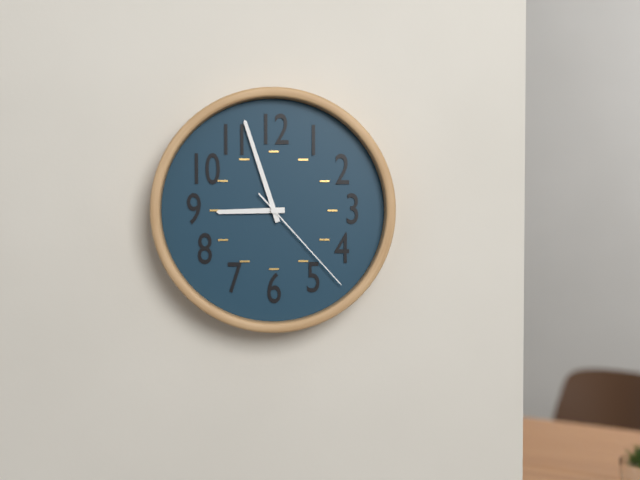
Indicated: 8,57,23
